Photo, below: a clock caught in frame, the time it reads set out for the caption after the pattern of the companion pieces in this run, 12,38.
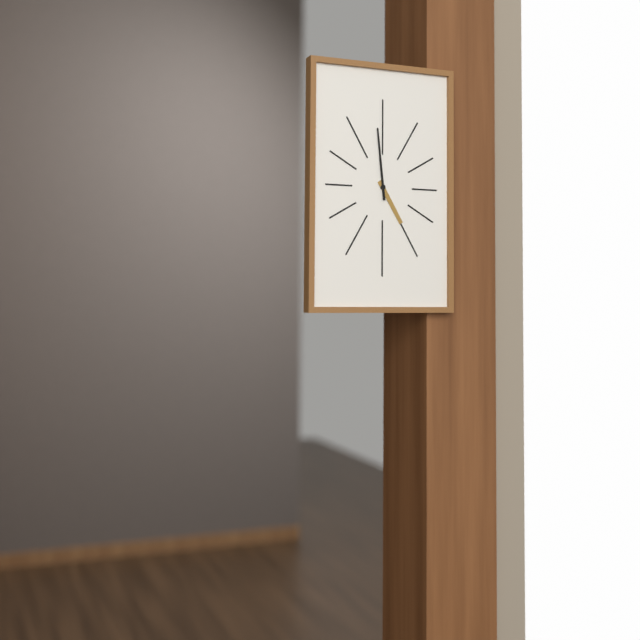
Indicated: 4,59
